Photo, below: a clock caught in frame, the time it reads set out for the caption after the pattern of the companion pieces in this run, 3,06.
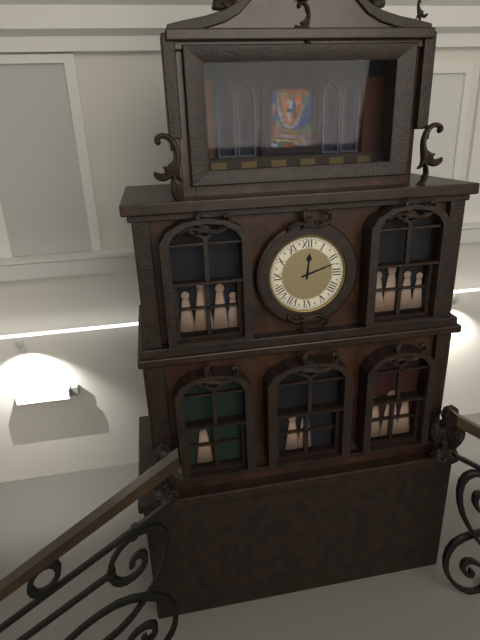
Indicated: 12,12
